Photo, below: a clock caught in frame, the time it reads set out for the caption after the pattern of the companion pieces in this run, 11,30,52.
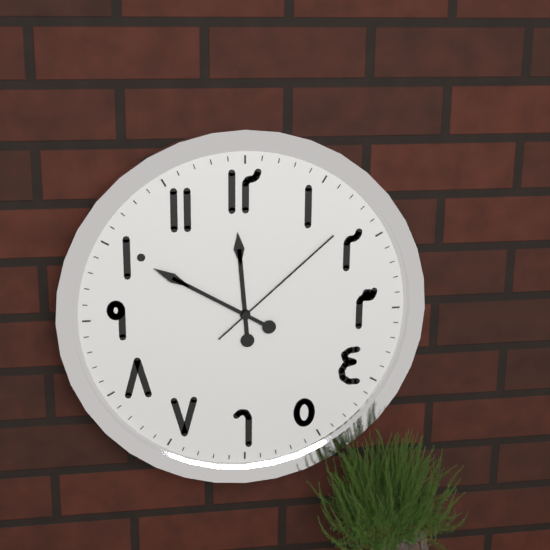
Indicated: 11,50,08
